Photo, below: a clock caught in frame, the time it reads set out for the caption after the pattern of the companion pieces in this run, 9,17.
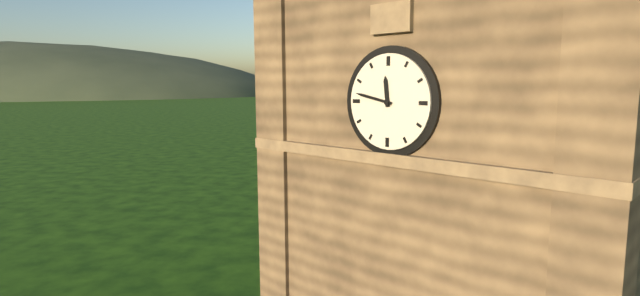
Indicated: 11,47
